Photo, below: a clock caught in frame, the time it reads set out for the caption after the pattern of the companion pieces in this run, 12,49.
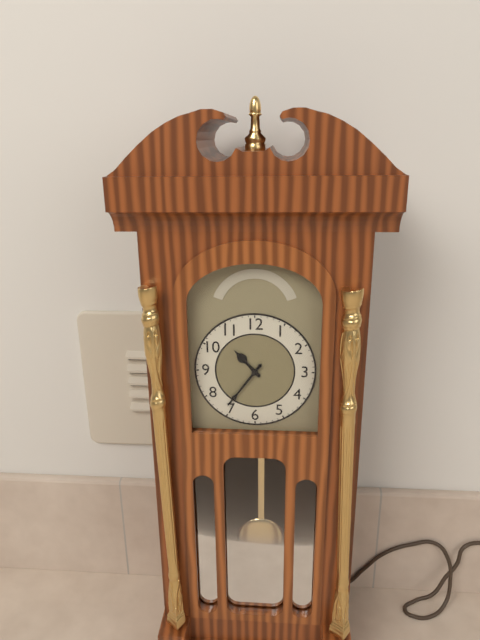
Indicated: 10,36
